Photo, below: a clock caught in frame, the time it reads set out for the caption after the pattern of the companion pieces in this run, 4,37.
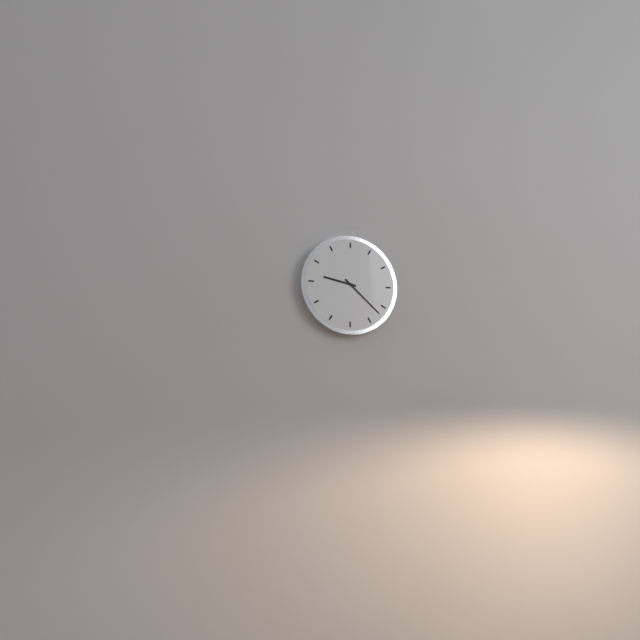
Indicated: 9,22
